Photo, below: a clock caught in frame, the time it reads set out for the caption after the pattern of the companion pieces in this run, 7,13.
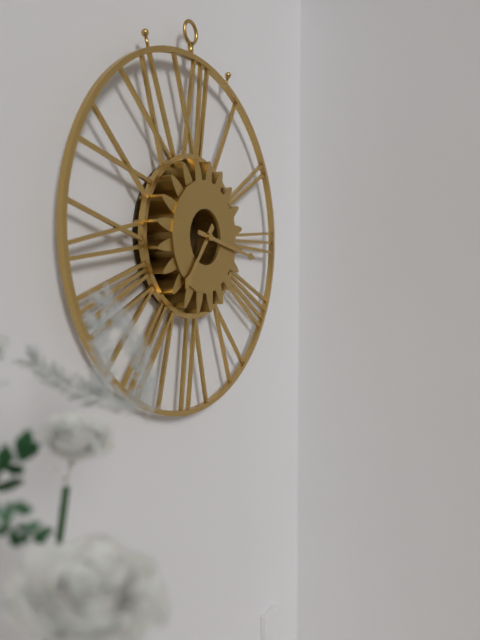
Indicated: 7,17
